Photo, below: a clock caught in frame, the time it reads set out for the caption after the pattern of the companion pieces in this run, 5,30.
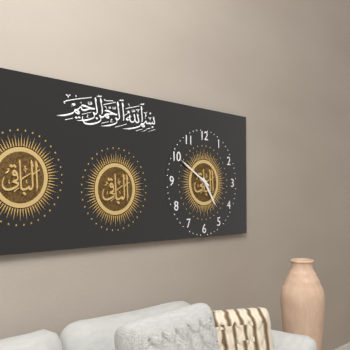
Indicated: 4,50
